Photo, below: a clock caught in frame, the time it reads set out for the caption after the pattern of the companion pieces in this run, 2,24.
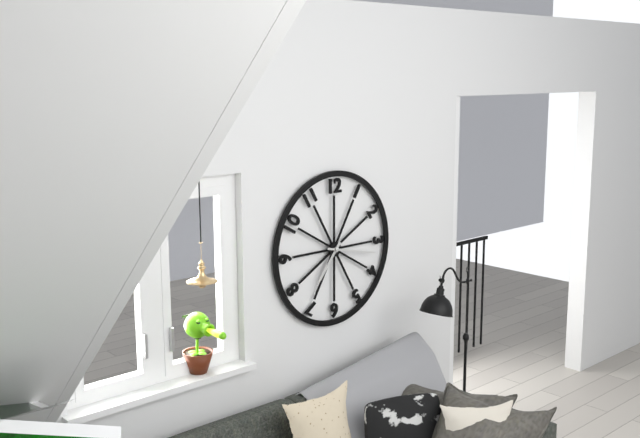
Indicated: 7,17
